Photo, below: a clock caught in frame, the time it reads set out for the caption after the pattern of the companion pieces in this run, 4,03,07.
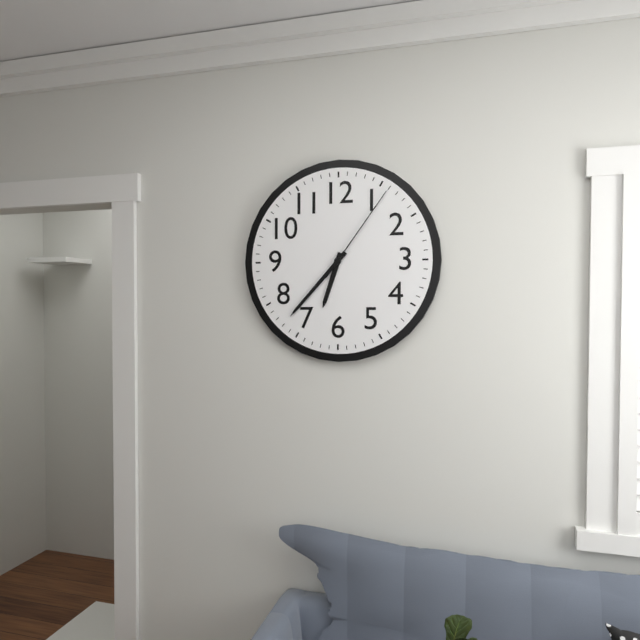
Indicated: 6,37,06
